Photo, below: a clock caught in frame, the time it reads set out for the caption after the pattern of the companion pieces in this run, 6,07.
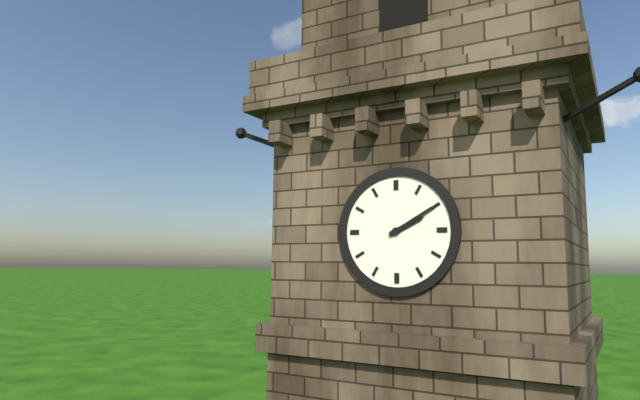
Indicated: 2,10
